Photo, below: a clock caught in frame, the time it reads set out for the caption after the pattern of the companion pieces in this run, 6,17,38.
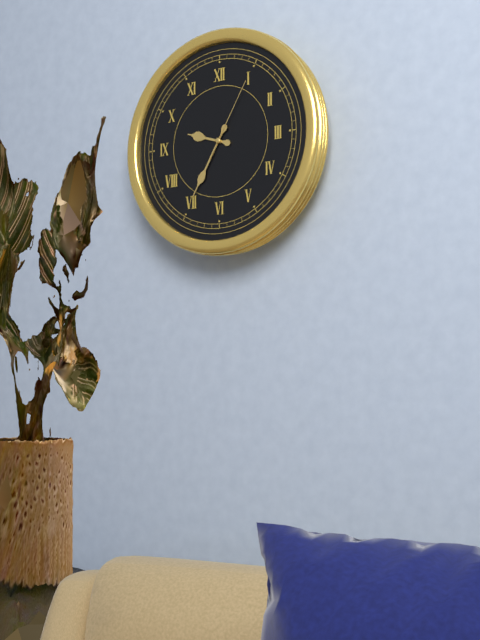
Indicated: 9,35,05
